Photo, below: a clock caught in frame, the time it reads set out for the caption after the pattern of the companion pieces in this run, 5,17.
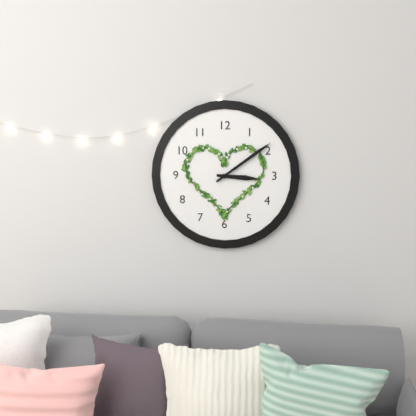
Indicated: 3,09
